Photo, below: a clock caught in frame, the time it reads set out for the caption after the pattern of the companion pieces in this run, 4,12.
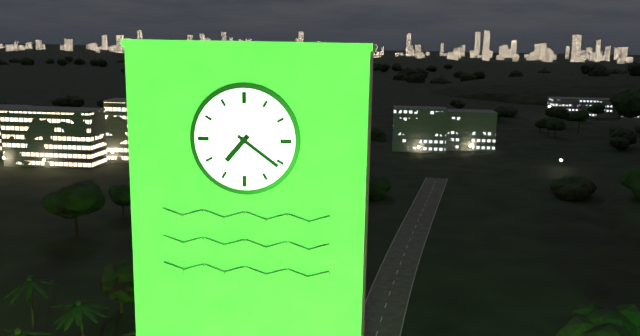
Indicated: 7,21
